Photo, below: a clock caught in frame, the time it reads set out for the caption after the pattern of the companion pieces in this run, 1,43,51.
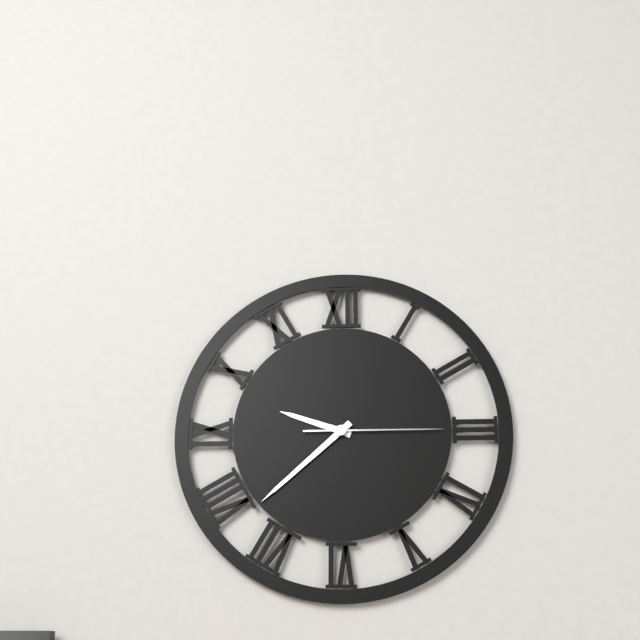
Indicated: 9,38,15
